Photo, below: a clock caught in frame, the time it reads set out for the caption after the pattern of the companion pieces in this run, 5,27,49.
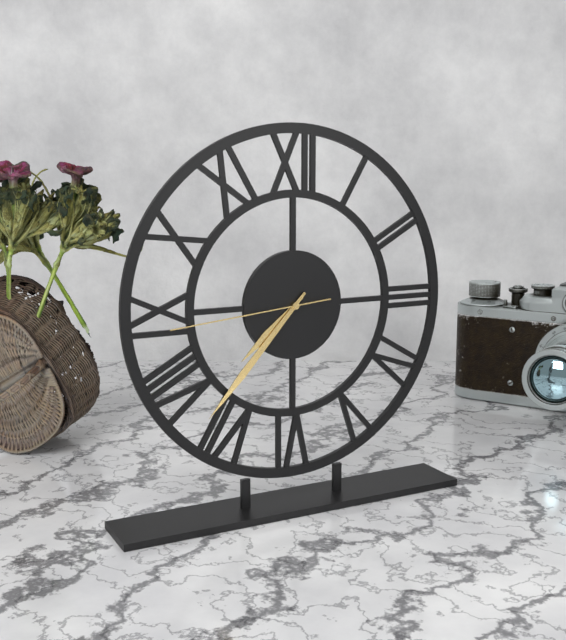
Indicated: 7,37,44
